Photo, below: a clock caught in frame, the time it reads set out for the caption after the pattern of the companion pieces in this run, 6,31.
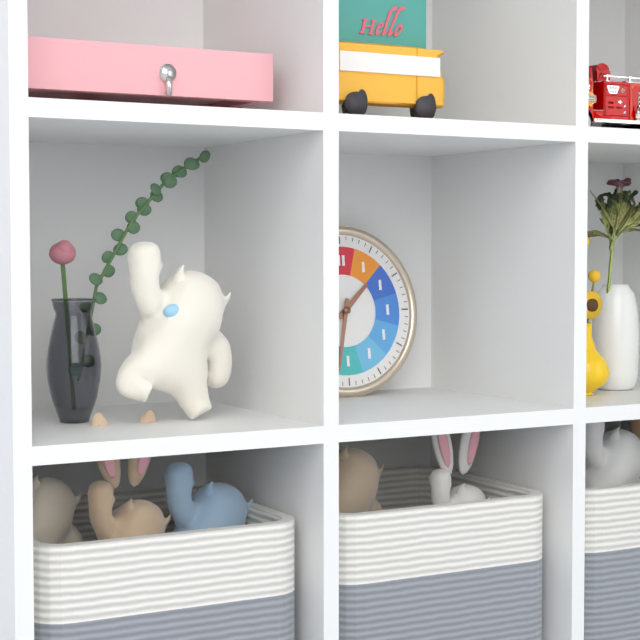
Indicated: 1,32
